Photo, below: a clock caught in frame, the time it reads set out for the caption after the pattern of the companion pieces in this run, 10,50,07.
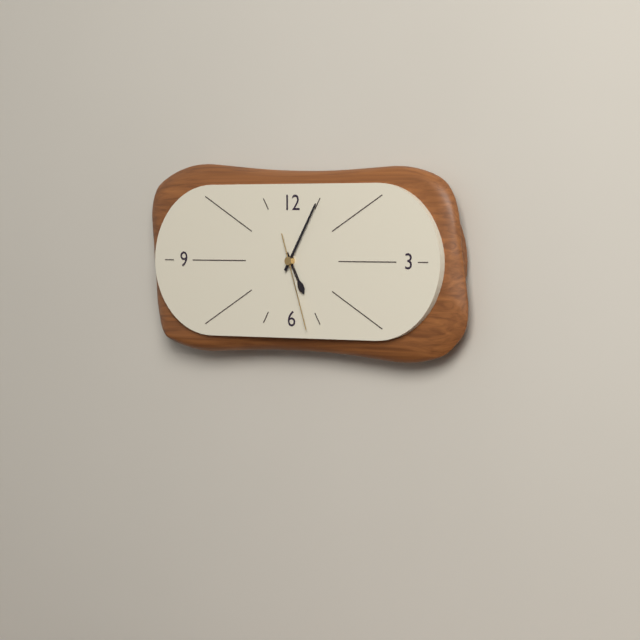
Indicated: 5,05,27
